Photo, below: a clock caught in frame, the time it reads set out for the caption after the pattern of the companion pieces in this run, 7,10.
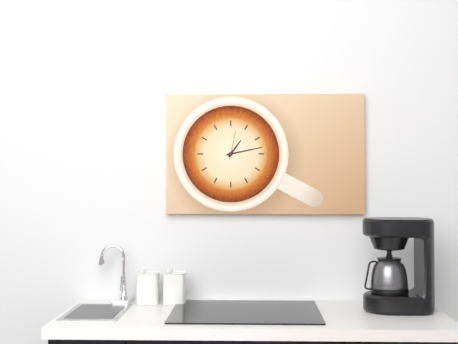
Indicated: 1,13
